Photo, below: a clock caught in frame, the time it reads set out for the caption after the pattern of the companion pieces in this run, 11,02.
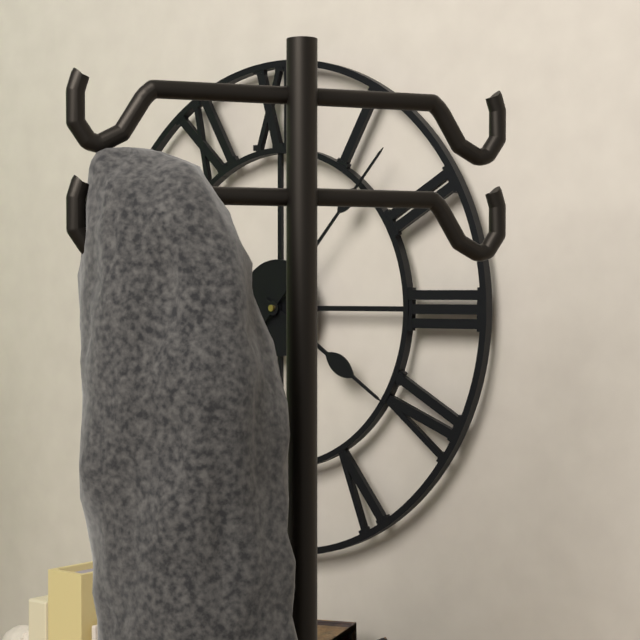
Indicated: 4,07
